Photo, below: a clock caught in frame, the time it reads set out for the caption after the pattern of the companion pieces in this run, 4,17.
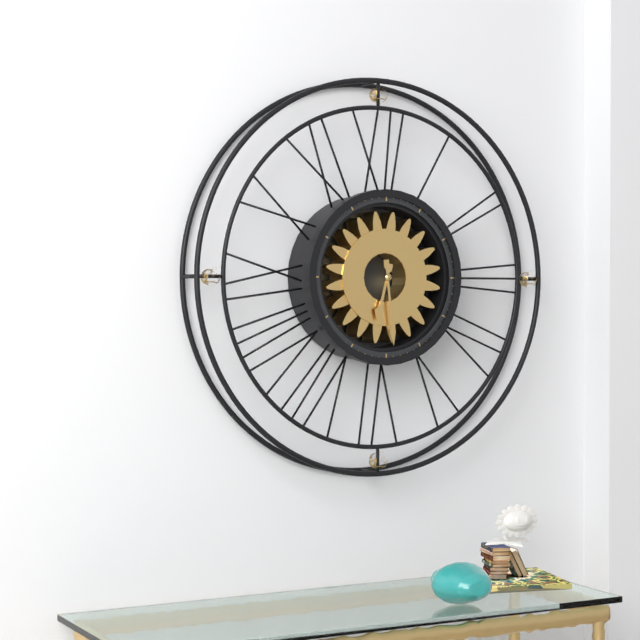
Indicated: 6,29
